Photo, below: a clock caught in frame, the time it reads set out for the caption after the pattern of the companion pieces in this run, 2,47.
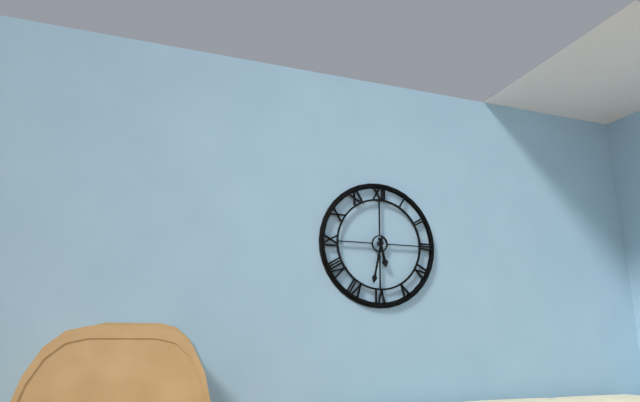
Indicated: 5,32
